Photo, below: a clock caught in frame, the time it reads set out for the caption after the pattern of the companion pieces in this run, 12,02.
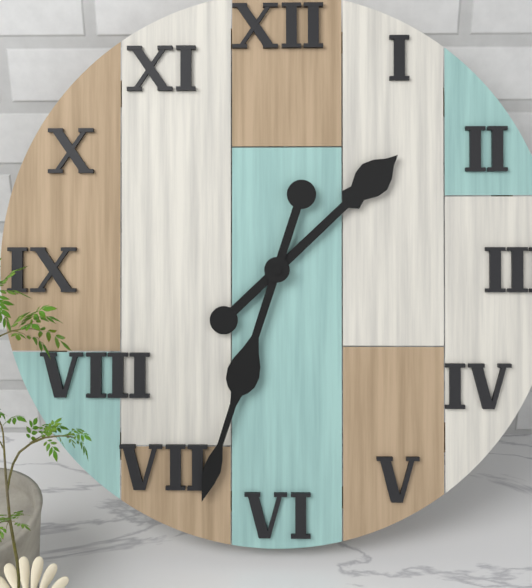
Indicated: 1,33
